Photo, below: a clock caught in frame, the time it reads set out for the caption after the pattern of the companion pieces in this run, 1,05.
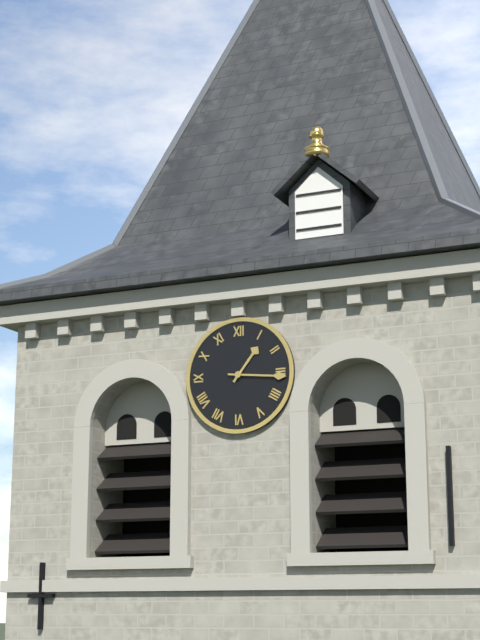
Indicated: 1,16
